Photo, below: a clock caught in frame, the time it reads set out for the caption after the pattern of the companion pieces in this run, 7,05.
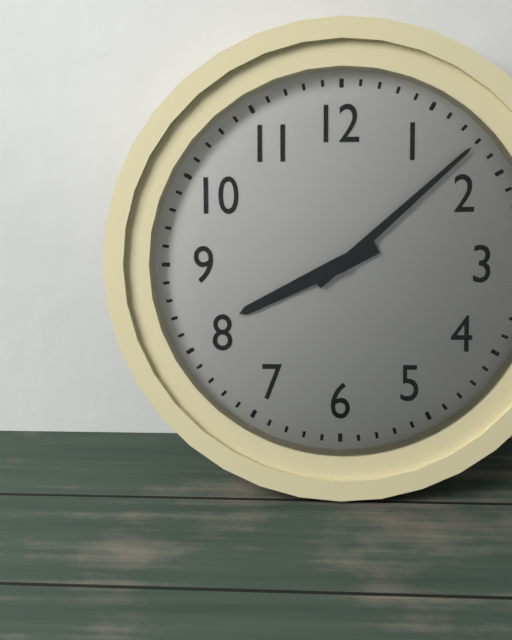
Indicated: 8,08
